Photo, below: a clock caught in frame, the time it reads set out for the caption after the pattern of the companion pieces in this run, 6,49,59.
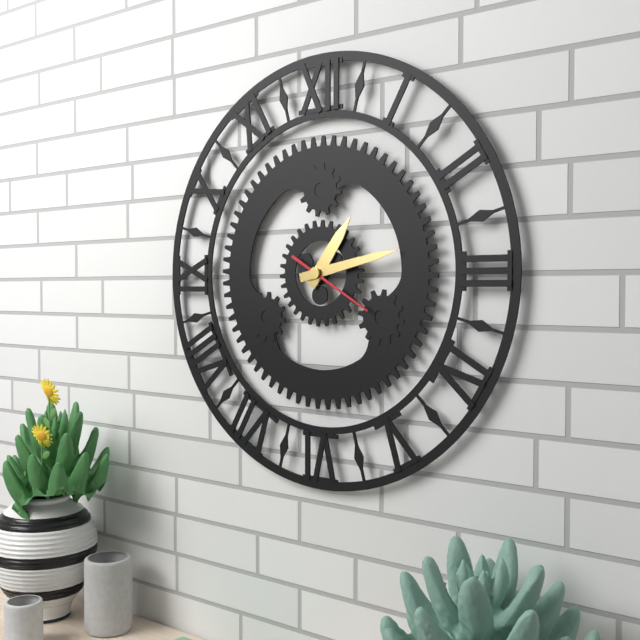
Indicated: 1,13,20
